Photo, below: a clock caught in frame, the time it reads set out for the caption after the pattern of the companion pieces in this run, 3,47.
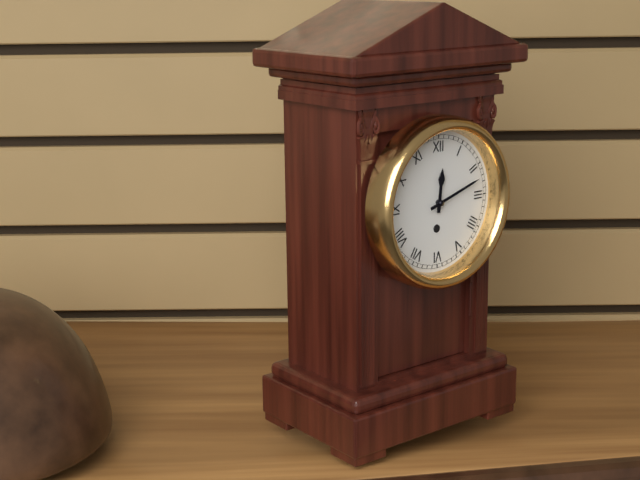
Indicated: 12,12
